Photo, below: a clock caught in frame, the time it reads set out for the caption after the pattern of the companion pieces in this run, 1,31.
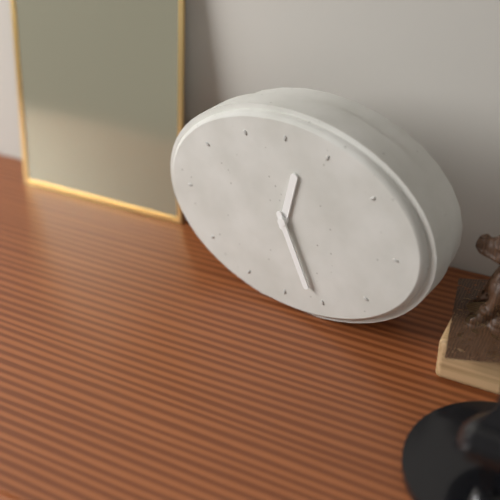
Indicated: 12,26
